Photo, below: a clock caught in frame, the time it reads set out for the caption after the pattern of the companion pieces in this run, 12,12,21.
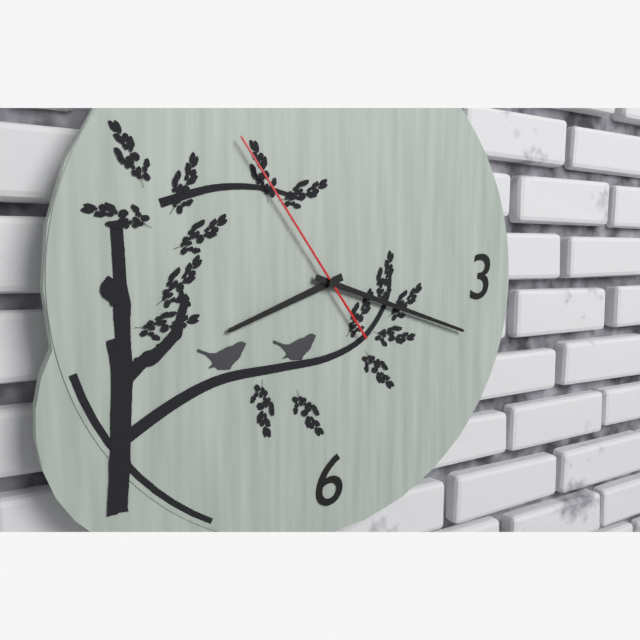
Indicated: 8,18,54
